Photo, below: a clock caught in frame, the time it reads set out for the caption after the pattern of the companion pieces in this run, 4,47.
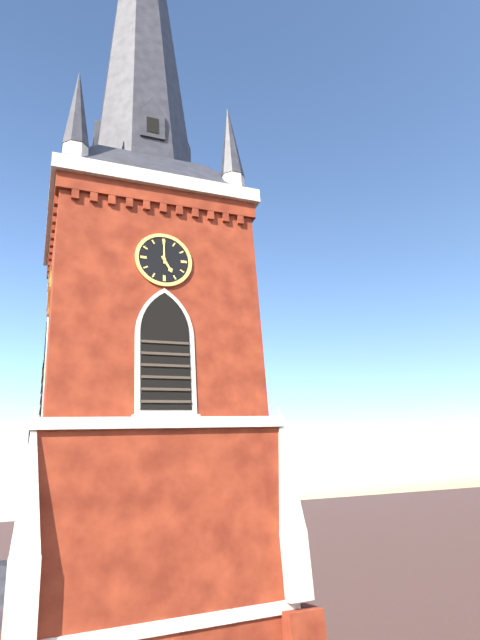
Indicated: 5,00
